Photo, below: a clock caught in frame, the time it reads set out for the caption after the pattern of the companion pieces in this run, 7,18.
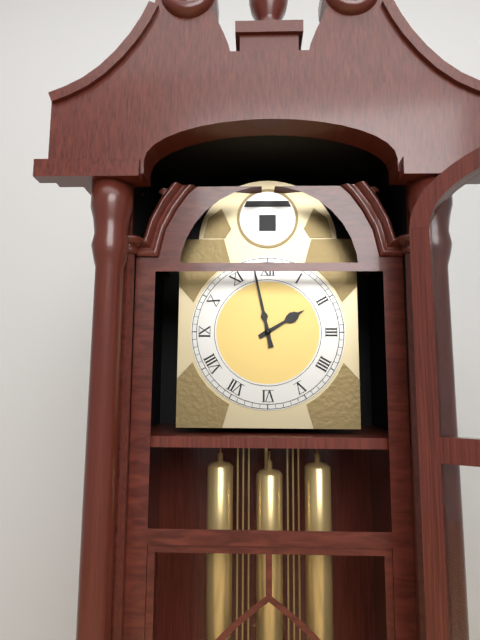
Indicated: 1,58
